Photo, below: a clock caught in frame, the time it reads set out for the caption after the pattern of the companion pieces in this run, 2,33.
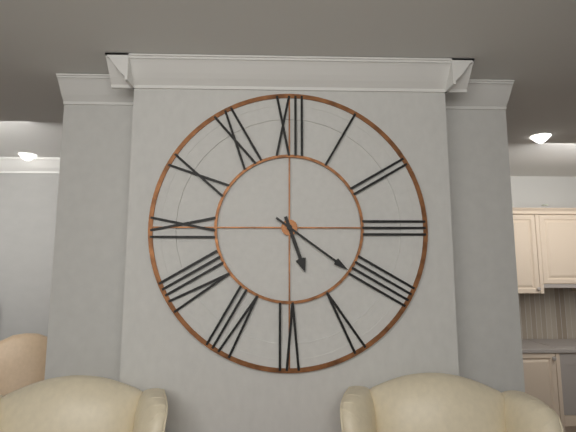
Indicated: 5,21
